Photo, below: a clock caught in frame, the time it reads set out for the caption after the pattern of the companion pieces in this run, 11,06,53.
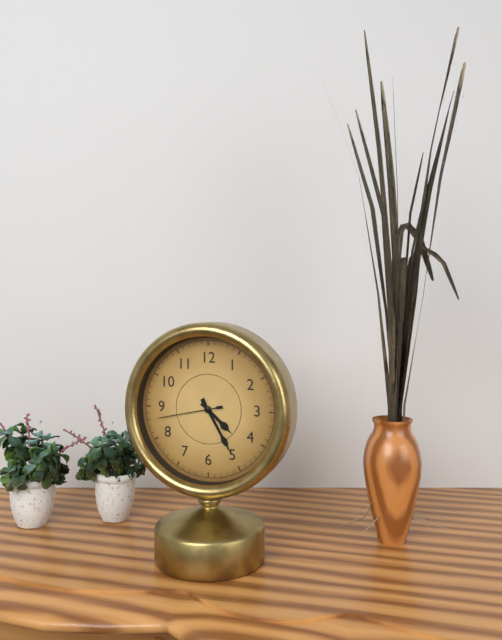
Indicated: 4,25,43
